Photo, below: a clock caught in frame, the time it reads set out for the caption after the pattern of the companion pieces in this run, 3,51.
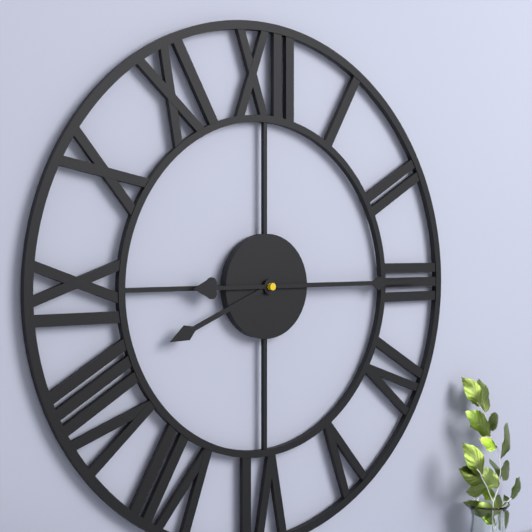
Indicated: 8,15
